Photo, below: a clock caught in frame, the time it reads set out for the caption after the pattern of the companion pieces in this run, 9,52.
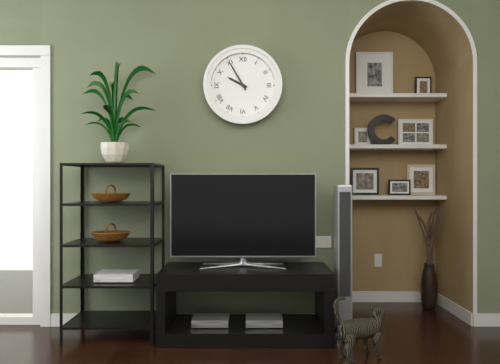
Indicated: 9,55
